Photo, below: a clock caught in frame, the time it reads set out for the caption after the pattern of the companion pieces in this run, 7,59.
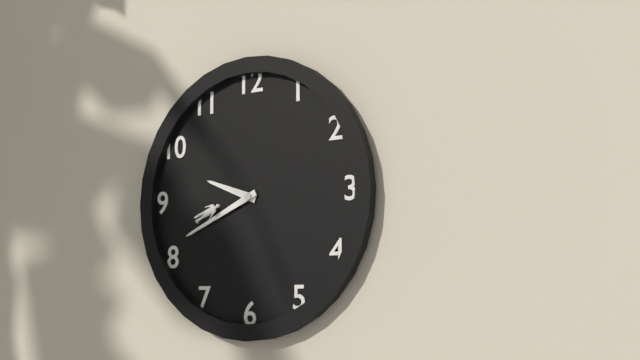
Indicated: 9,41
